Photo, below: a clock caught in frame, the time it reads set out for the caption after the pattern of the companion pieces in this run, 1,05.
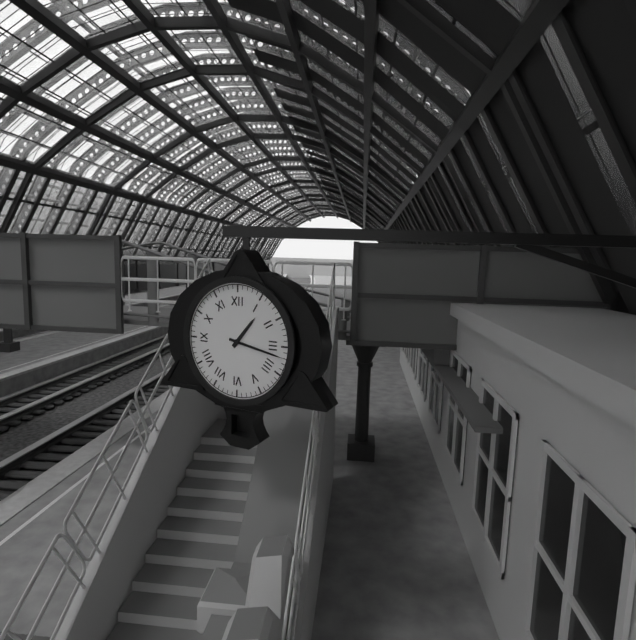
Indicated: 1,17
